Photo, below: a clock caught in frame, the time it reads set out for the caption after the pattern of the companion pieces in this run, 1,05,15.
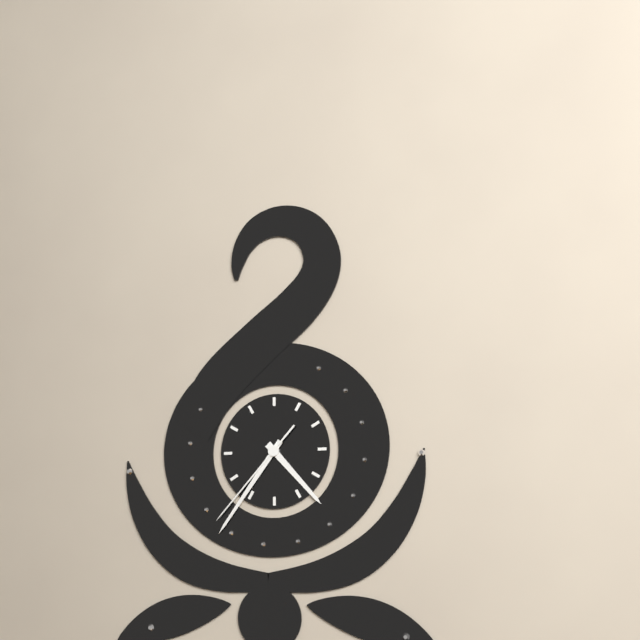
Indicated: 4,36,37
